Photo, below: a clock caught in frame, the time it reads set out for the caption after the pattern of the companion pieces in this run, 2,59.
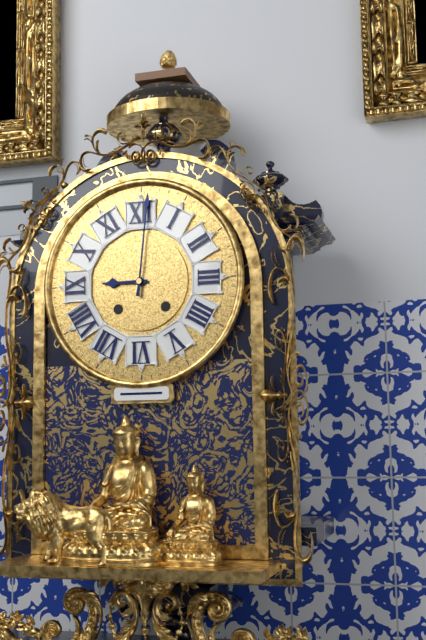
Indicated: 9,01
